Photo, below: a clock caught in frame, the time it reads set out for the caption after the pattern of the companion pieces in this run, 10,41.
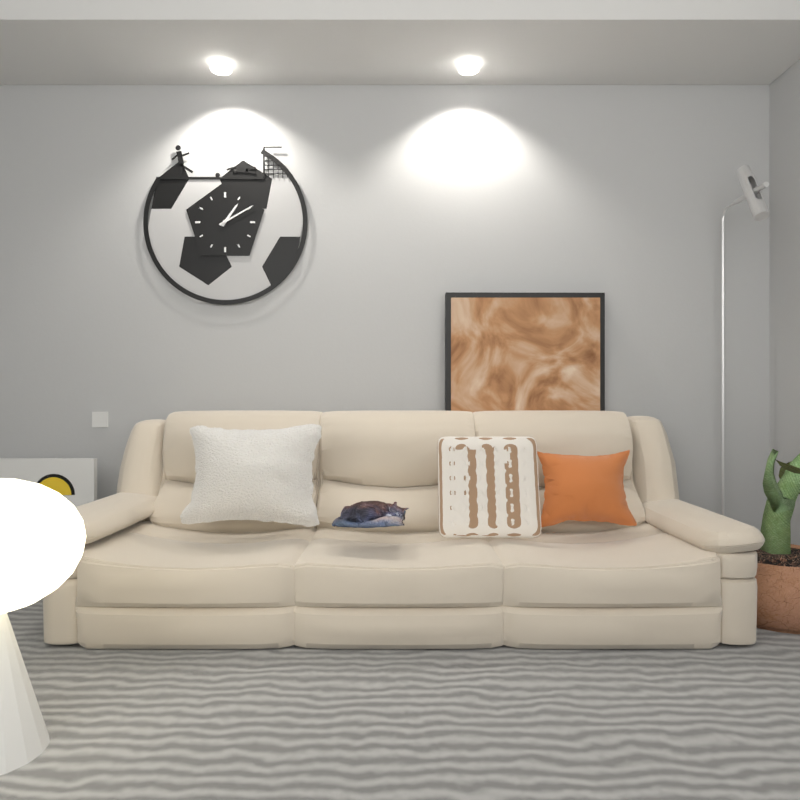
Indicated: 1,10
